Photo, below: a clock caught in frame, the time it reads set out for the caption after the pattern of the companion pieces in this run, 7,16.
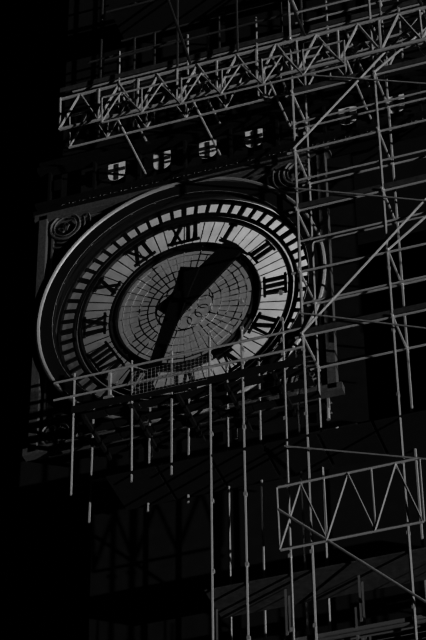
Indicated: 1,33
